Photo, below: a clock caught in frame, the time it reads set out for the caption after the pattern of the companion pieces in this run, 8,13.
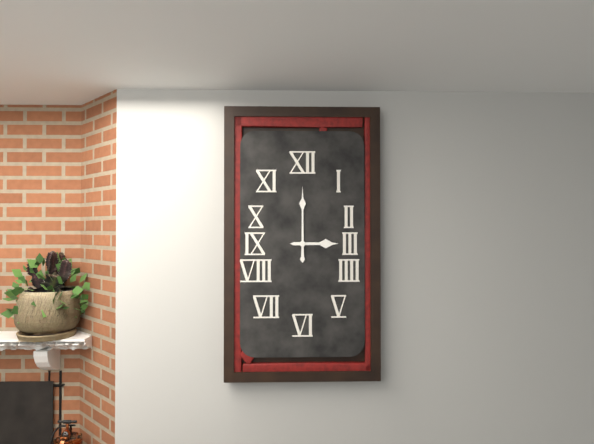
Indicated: 3,00
